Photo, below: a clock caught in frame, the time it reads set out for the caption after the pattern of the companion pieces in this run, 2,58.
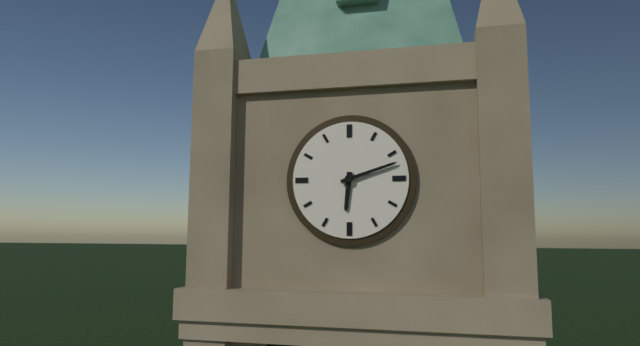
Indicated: 6,12
